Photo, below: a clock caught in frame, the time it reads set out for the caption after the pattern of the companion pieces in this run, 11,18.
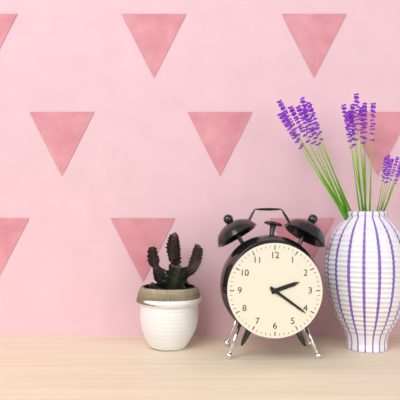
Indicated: 2,21
